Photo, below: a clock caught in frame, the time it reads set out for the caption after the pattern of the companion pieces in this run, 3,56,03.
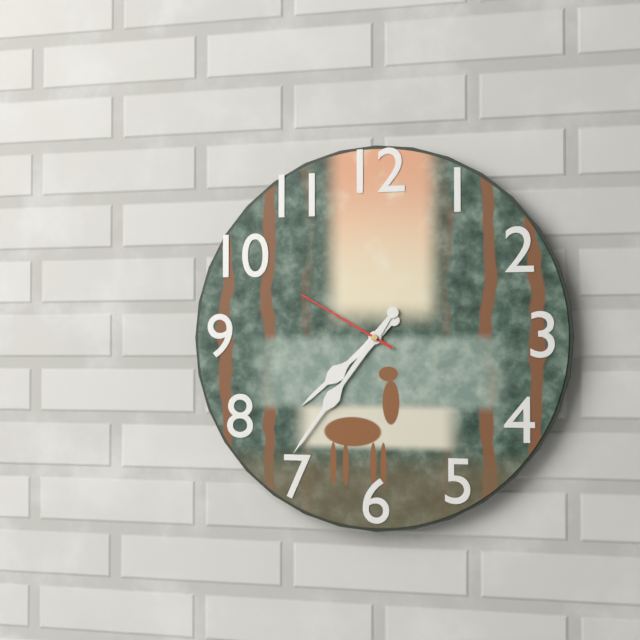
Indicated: 7,36,50
